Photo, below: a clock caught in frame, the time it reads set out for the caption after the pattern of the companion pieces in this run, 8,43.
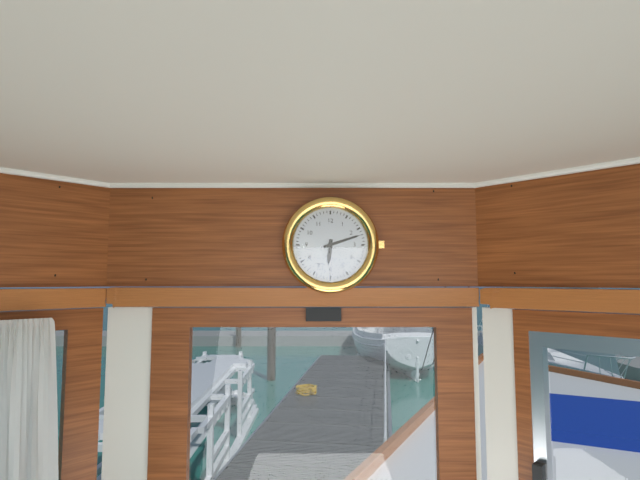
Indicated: 6,12
